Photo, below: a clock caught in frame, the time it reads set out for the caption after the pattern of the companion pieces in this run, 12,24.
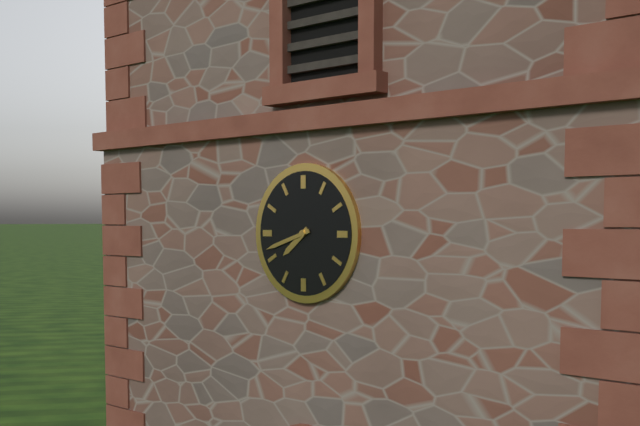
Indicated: 7,42
